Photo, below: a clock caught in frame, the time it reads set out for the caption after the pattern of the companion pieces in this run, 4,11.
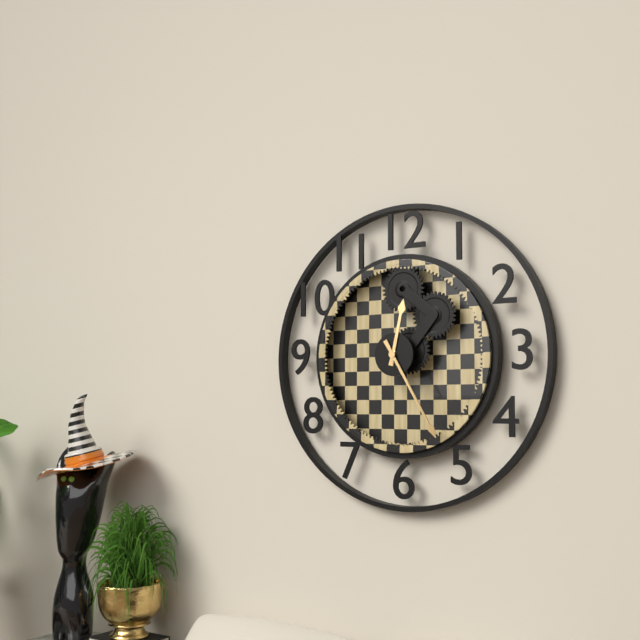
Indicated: 12,25
